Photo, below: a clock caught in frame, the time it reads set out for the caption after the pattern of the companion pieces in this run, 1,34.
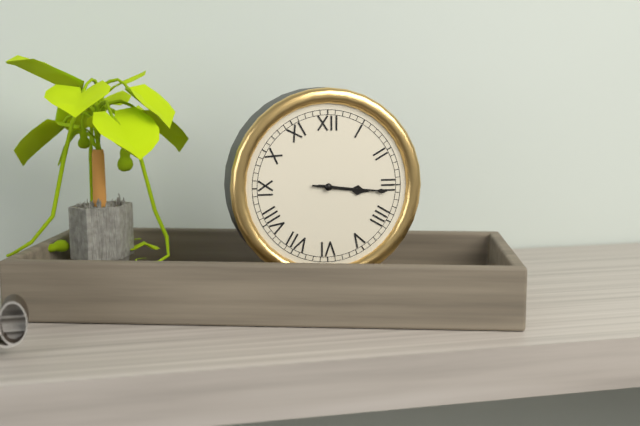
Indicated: 3,16
